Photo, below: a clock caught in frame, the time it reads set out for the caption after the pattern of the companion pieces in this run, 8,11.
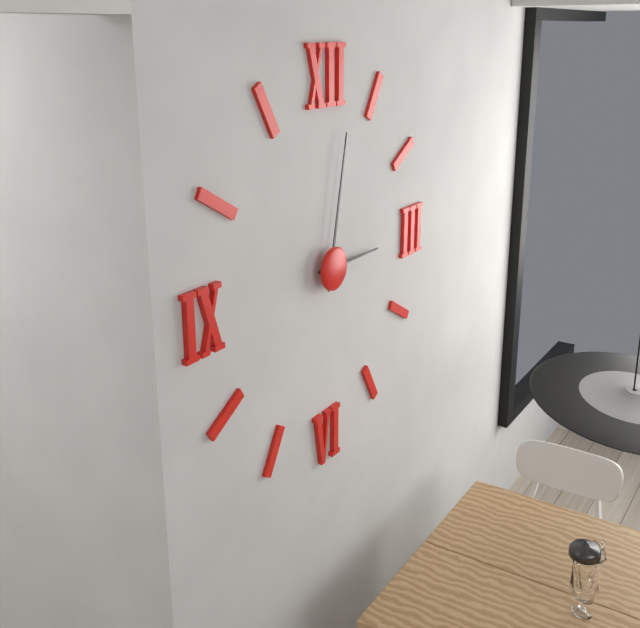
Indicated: 3,02
